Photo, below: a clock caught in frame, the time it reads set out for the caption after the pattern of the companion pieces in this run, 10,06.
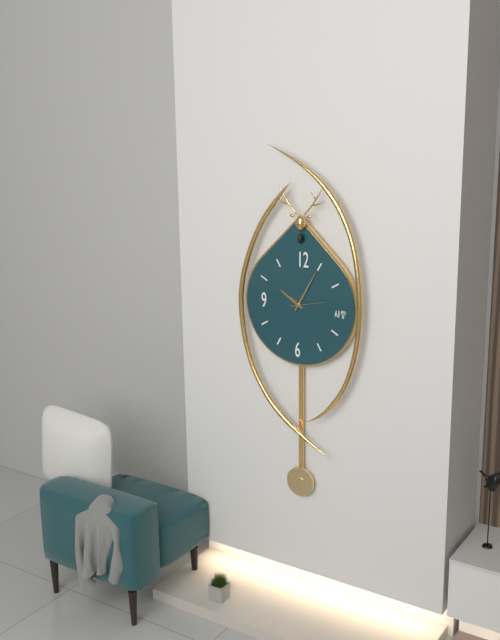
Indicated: 10,05
